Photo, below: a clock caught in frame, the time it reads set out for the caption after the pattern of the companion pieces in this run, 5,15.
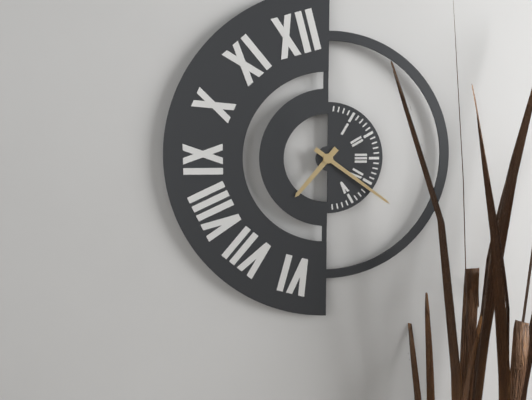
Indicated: 7,21
